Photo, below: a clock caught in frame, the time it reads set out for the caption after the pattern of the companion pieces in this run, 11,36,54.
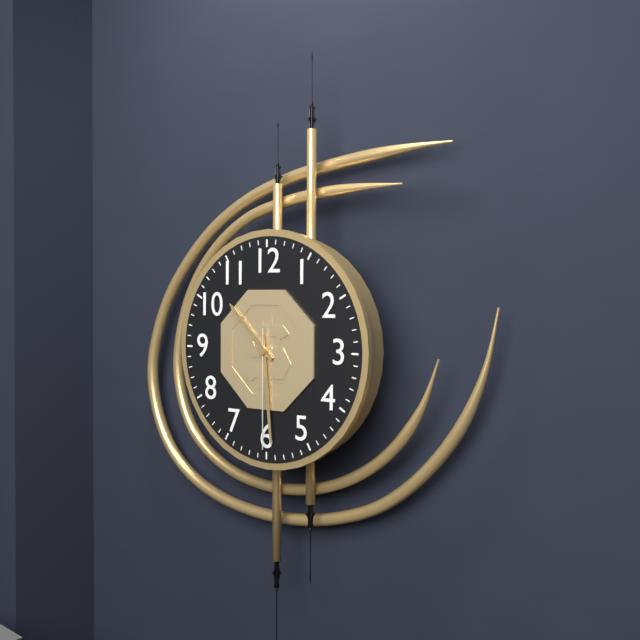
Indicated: 10,29,30
